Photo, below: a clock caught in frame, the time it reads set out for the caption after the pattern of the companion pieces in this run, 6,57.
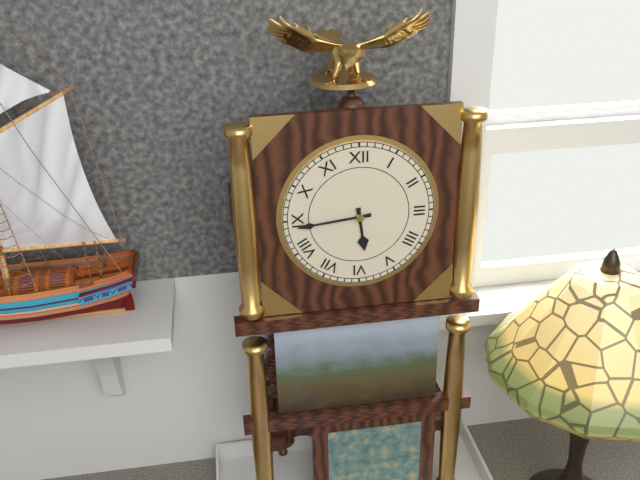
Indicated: 5,44
